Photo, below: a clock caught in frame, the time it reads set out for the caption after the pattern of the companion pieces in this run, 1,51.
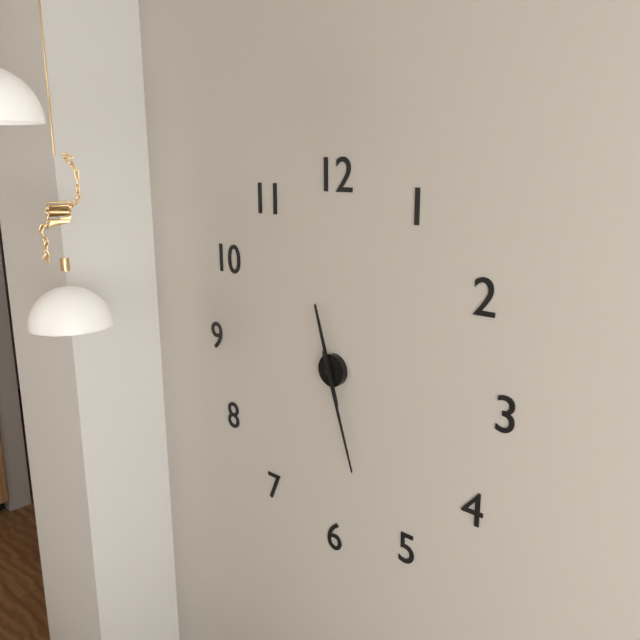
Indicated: 11,27
